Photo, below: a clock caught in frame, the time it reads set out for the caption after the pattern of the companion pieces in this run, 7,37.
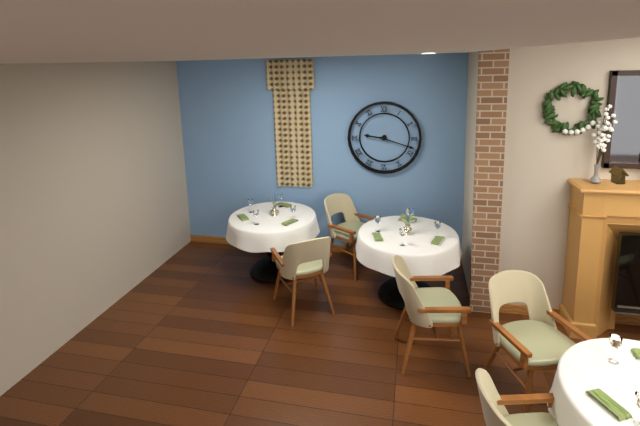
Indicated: 9,18
